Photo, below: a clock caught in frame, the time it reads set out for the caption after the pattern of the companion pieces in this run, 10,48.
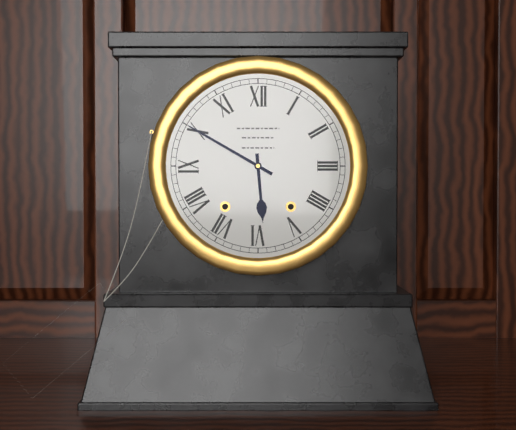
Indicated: 5,50
